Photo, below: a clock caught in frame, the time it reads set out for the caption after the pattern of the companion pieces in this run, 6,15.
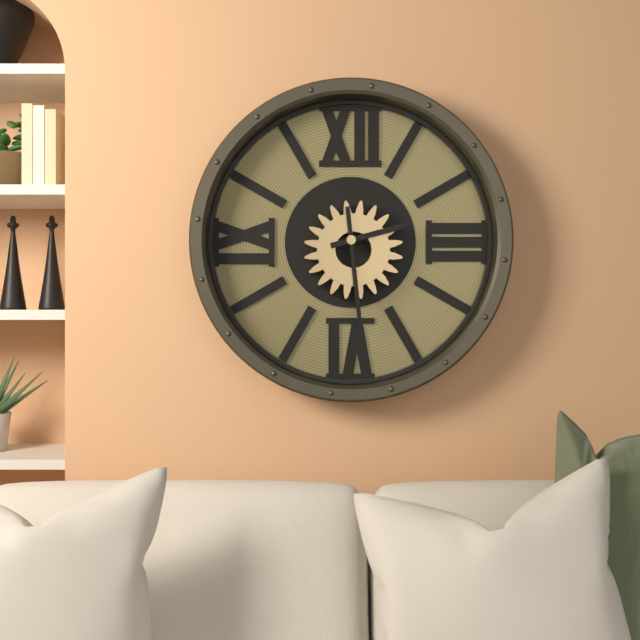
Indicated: 2,29
